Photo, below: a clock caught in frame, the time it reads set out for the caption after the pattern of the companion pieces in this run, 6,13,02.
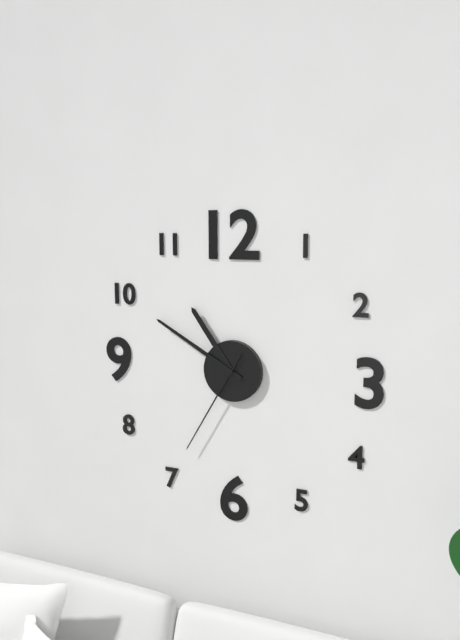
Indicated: 10,50,35
